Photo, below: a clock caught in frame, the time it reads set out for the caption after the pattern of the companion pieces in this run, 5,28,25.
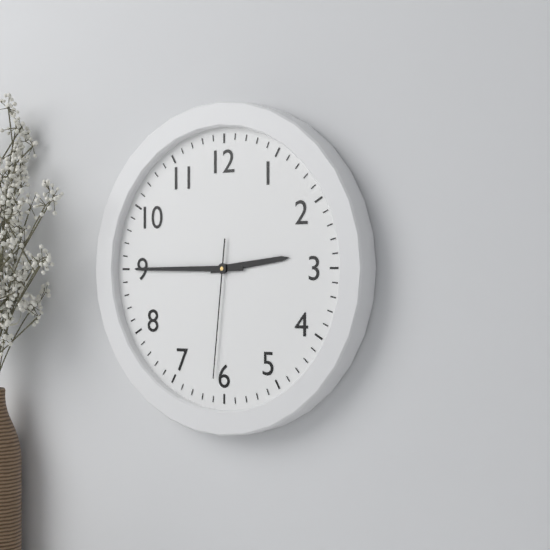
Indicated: 2,45,31
